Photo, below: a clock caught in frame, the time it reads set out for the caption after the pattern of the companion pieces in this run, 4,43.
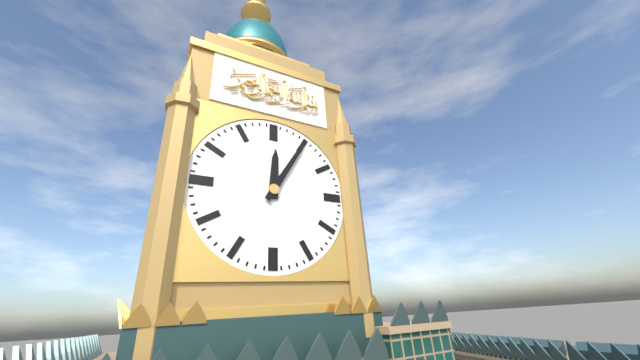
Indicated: 12,05
